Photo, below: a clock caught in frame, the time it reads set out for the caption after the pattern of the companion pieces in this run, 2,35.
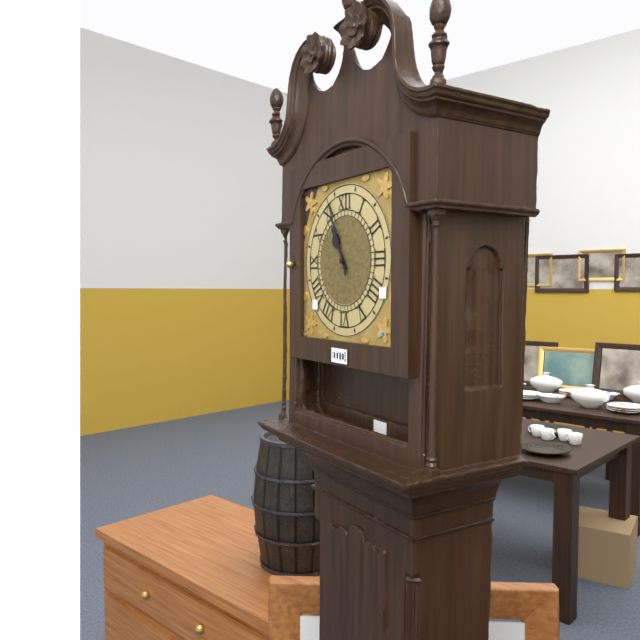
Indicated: 10,56
